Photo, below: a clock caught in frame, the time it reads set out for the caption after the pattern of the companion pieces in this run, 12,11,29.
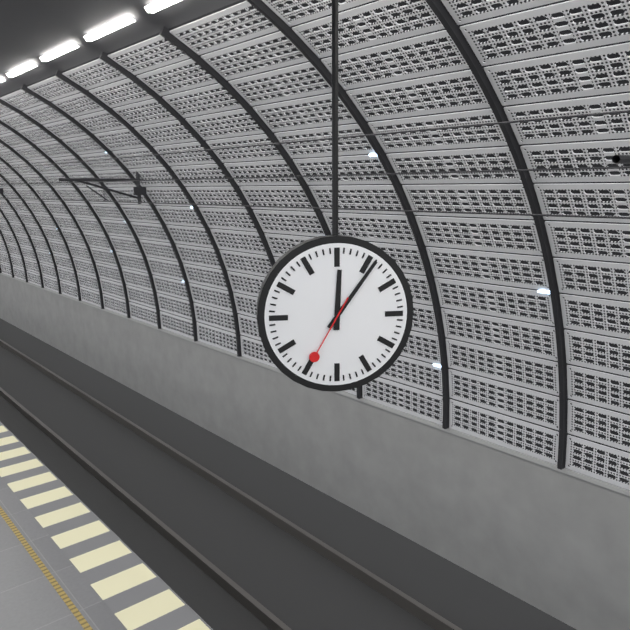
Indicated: 12,06,35
